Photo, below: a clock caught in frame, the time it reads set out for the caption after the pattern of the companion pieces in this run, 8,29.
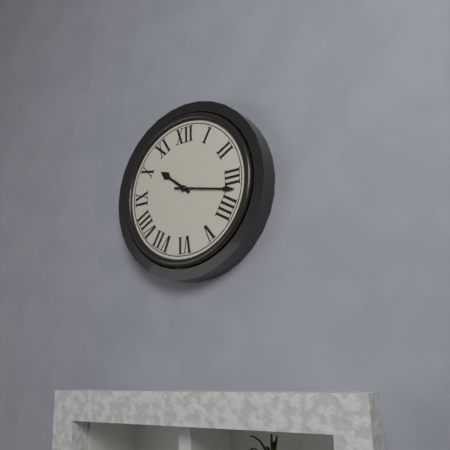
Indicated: 10,17
